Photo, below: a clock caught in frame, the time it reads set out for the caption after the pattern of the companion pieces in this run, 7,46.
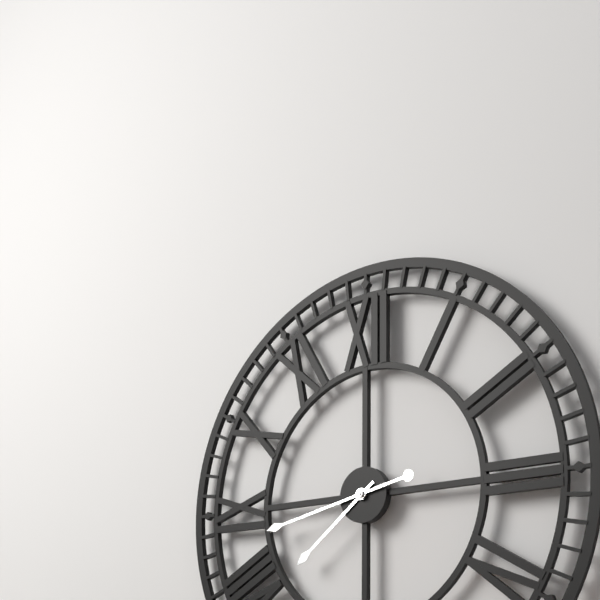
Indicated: 7,43
